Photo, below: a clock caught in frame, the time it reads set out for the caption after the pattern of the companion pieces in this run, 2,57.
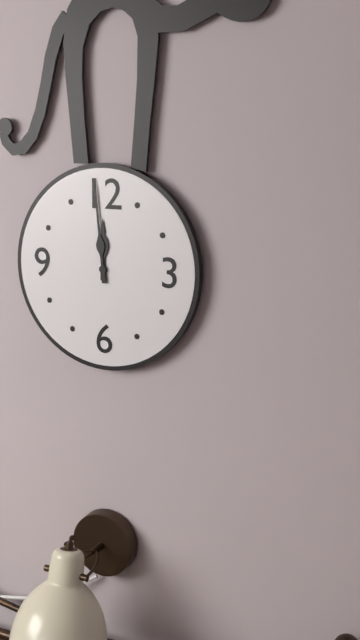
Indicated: 11,59
